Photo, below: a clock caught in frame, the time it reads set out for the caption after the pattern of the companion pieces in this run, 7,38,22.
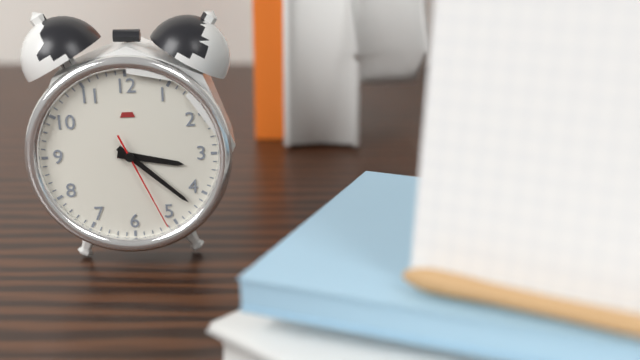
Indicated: 3,22,26
